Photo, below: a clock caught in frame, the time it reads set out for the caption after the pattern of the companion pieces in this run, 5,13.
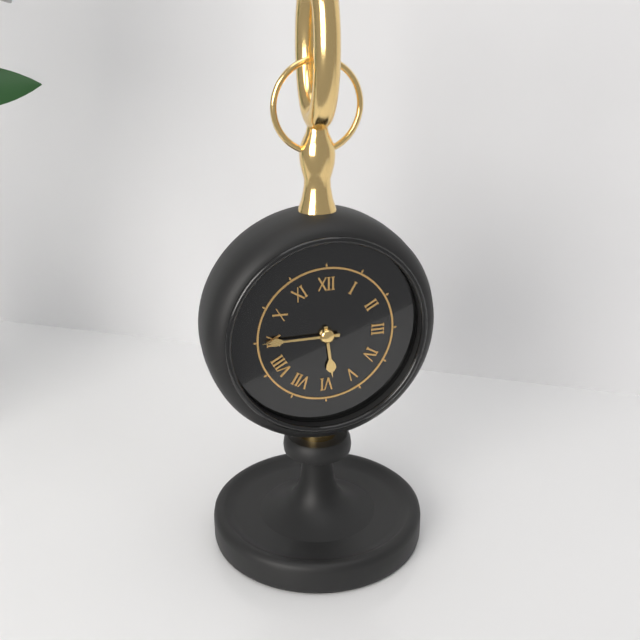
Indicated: 5,45
